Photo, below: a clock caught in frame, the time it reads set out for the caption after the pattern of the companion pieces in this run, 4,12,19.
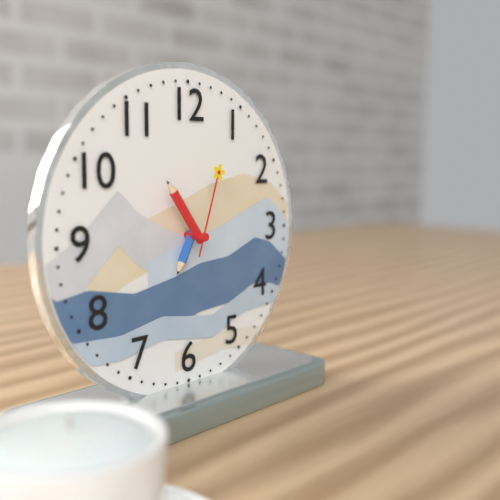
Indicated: 6,54,03
